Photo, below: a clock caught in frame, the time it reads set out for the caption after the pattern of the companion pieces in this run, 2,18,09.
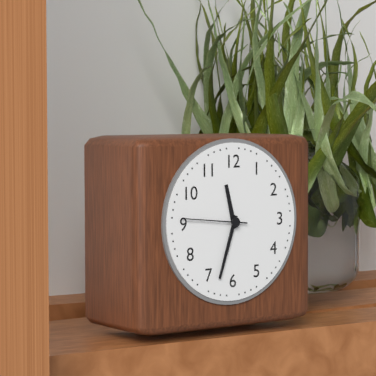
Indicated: 11,33,46
